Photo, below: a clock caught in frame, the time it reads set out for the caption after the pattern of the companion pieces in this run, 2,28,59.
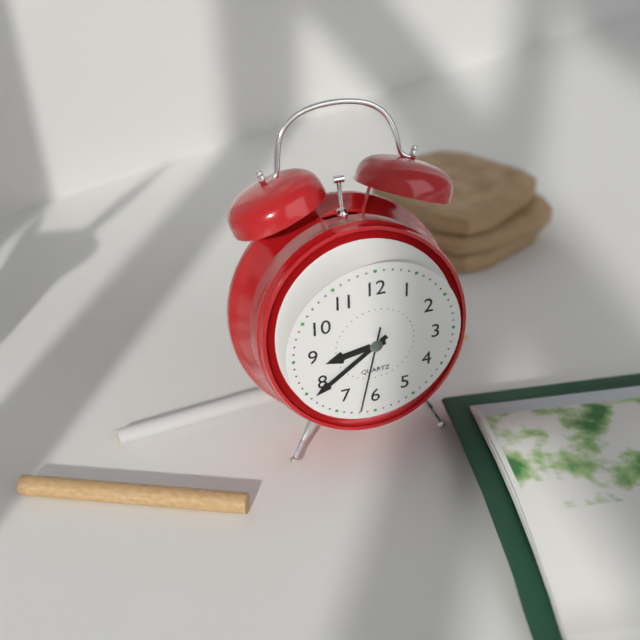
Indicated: 8,39,32
